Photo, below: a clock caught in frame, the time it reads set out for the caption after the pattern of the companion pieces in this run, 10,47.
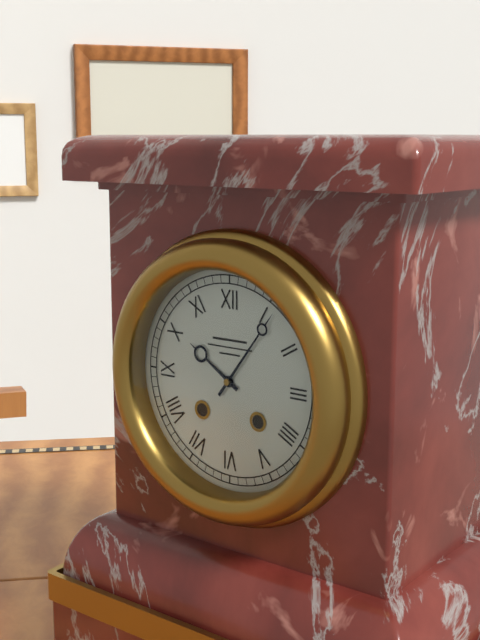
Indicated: 10,06
